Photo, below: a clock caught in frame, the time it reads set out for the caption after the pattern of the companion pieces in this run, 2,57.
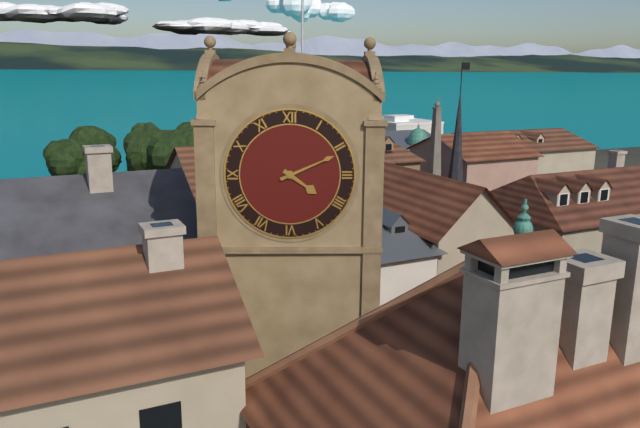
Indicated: 4,11
